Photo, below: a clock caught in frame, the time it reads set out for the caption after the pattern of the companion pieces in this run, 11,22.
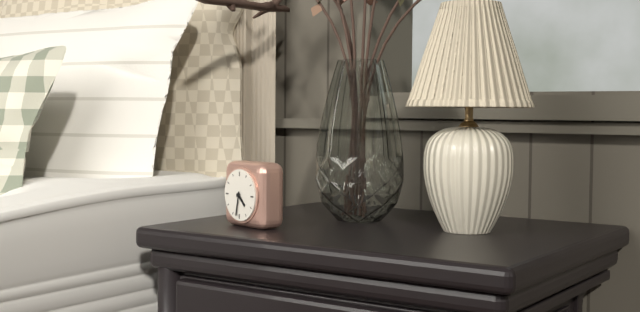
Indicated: 4,32
